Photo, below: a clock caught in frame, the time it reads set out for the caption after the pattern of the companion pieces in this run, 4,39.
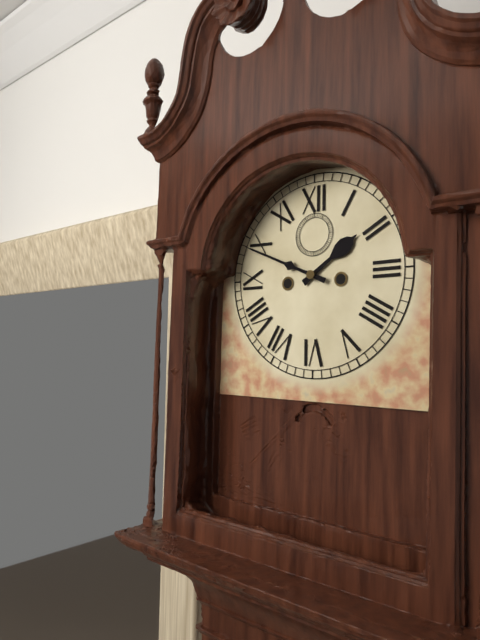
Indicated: 1,49
